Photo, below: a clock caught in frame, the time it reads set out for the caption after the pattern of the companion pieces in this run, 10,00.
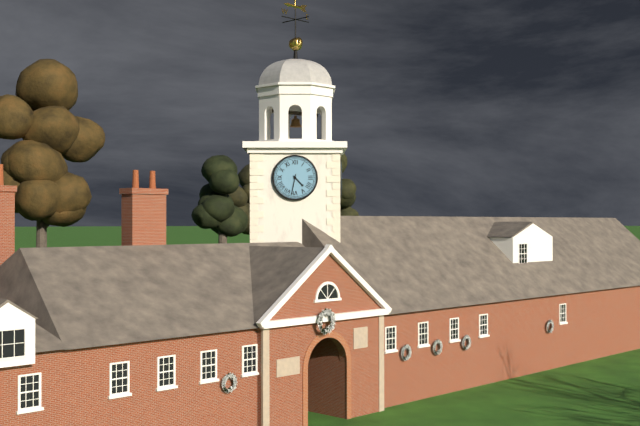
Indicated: 4,32
